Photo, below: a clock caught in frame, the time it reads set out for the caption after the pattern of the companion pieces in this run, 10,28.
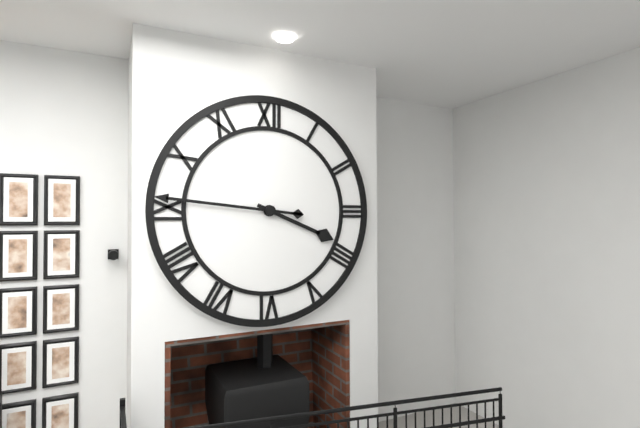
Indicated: 3,46
